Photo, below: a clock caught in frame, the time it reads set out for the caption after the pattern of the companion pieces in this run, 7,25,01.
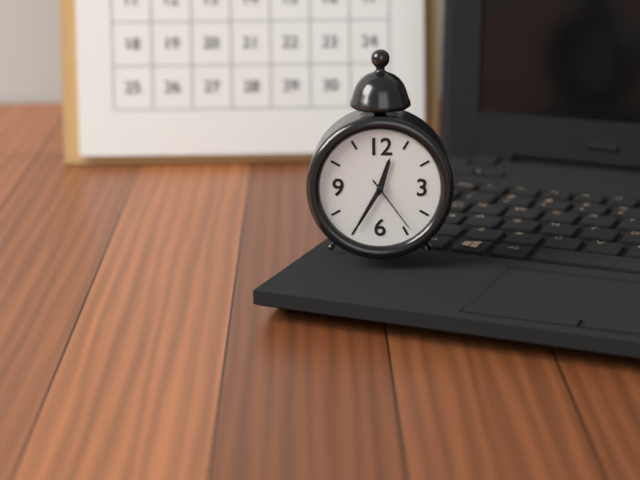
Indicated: 12,35,24
